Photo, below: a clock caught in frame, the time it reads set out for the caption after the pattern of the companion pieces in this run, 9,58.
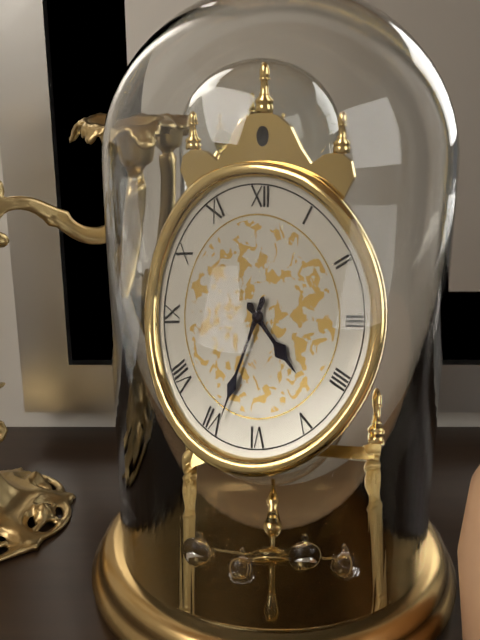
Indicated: 4,34
